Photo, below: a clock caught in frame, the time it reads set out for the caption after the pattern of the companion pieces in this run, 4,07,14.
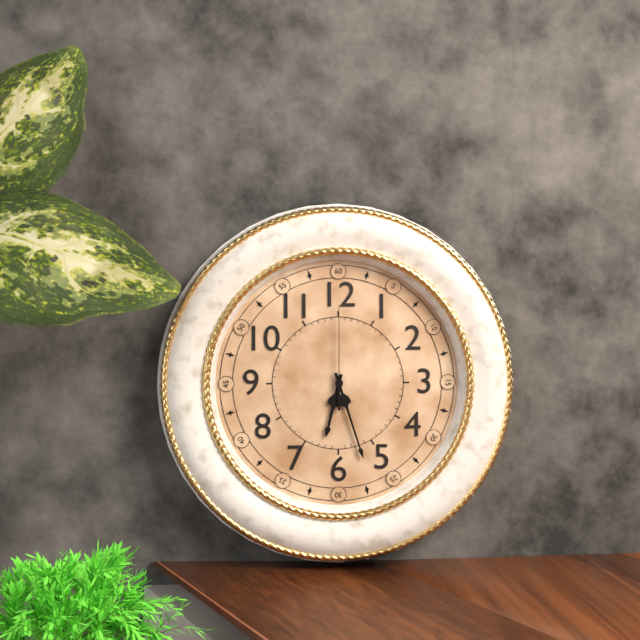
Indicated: 6,27,00
